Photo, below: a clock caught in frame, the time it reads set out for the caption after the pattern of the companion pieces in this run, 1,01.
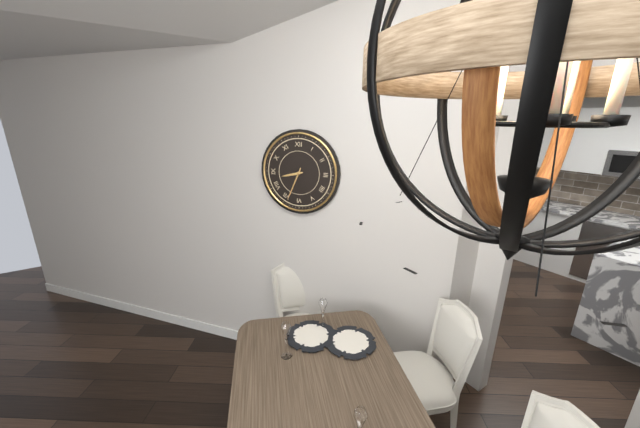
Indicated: 8,34
